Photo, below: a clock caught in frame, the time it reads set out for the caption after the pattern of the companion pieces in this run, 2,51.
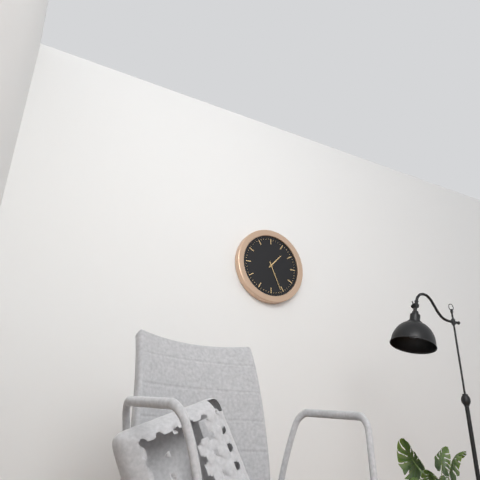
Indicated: 1,26
